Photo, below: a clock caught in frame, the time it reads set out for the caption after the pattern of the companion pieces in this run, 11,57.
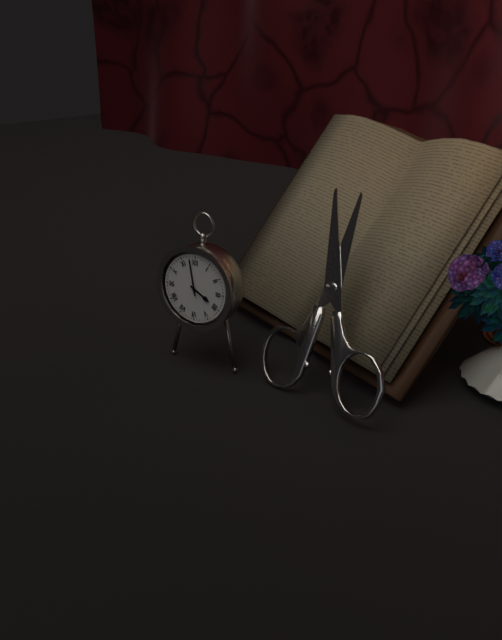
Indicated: 3,58
